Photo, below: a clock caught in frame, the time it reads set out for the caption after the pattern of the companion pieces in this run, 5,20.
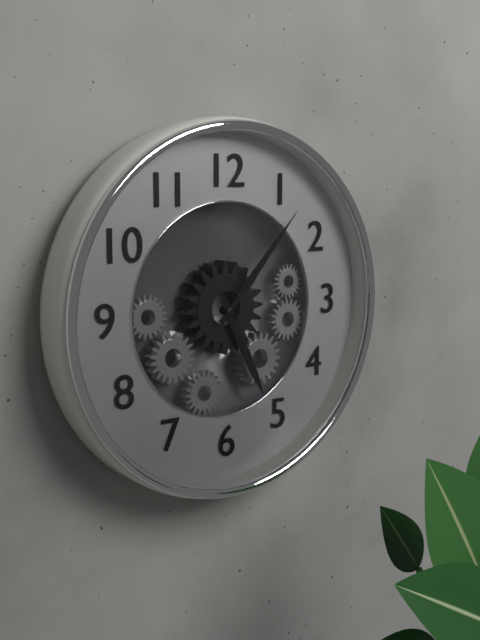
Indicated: 5,07
